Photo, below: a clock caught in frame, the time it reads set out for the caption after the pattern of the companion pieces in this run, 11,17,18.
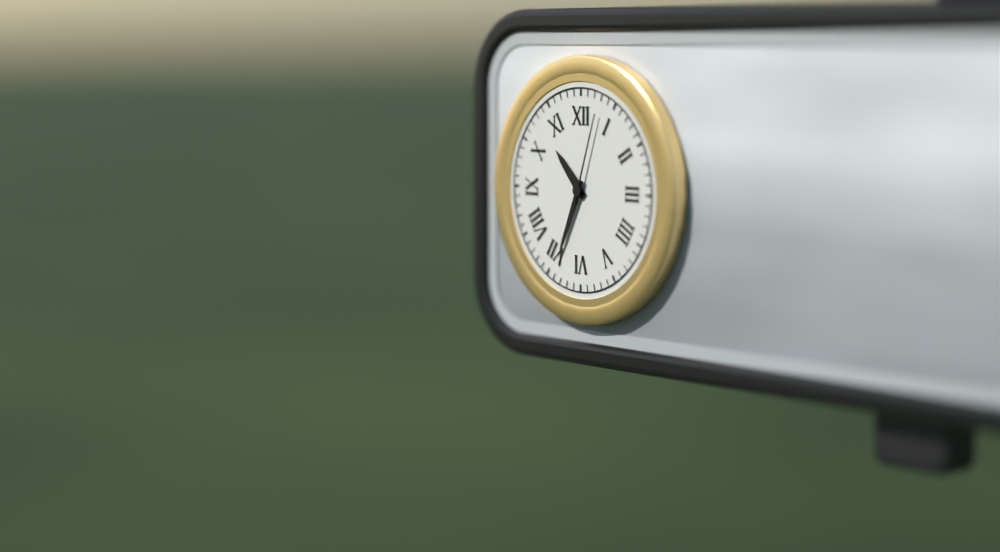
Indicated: 10,34,03
